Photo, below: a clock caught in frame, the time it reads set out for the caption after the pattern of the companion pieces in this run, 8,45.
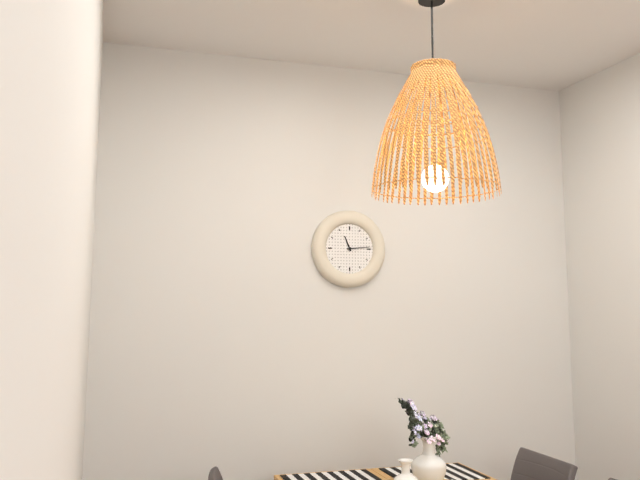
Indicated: 11,14
